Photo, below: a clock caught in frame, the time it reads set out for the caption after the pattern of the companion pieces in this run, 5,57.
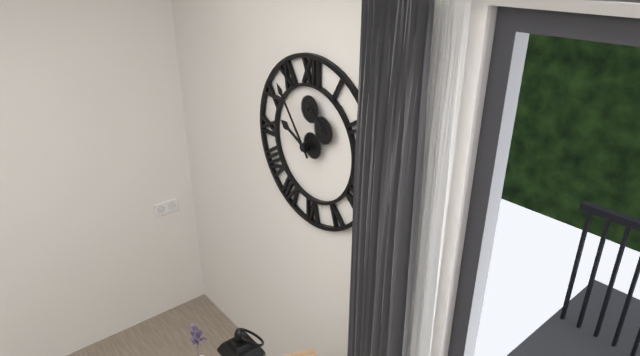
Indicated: 9,54
